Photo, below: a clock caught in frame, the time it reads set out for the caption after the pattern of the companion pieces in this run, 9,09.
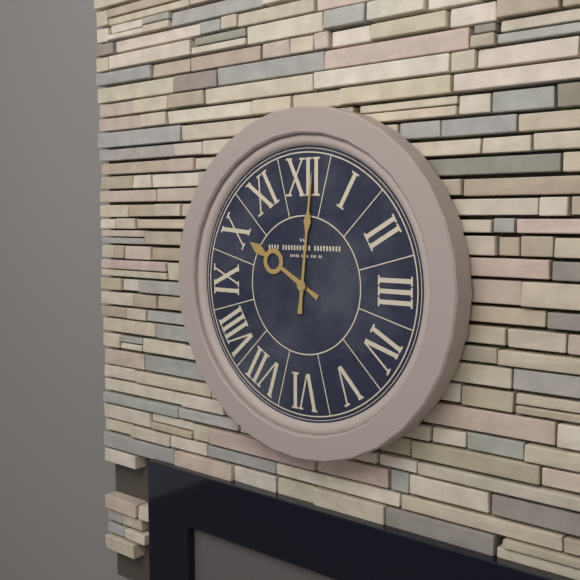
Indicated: 10,01
